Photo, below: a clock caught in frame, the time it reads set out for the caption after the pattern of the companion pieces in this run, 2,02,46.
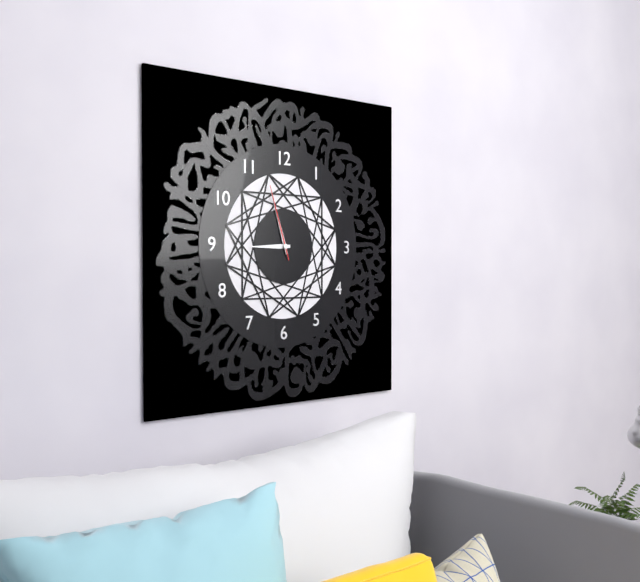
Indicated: 8,57,57
